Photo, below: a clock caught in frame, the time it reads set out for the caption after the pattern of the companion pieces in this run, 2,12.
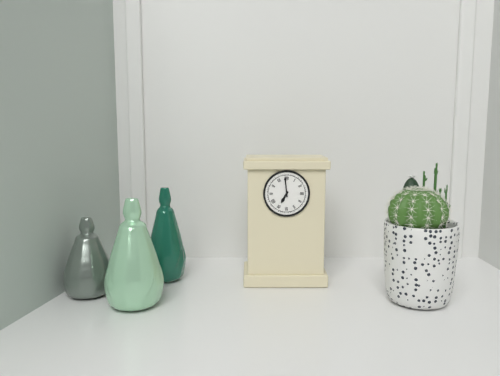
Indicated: 6,59
